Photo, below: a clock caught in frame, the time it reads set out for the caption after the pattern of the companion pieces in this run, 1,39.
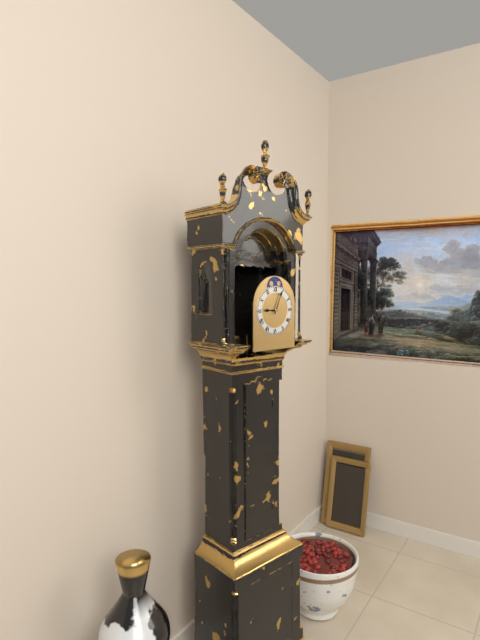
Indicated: 9,04
